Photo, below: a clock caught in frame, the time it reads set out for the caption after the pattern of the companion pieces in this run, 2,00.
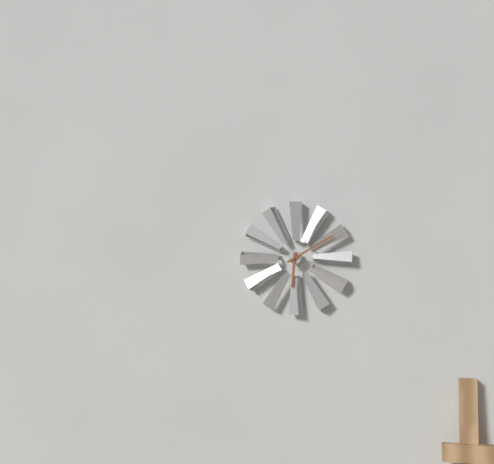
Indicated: 6,10
